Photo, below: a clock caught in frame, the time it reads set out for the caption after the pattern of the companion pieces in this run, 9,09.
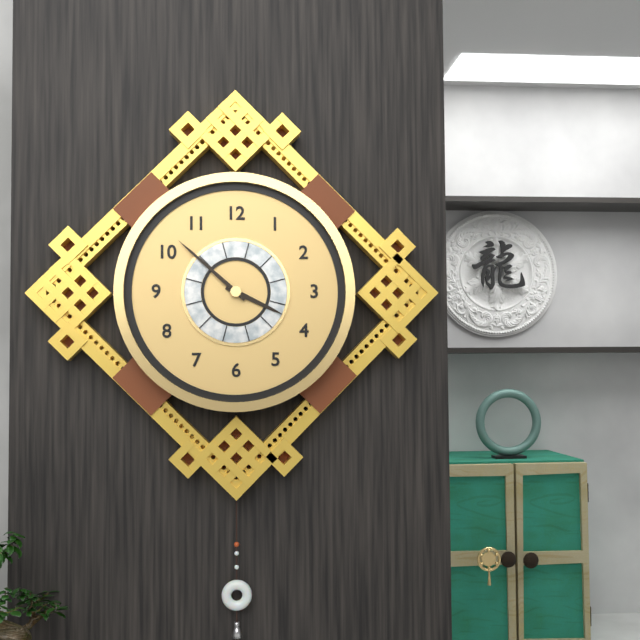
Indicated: 3,52
